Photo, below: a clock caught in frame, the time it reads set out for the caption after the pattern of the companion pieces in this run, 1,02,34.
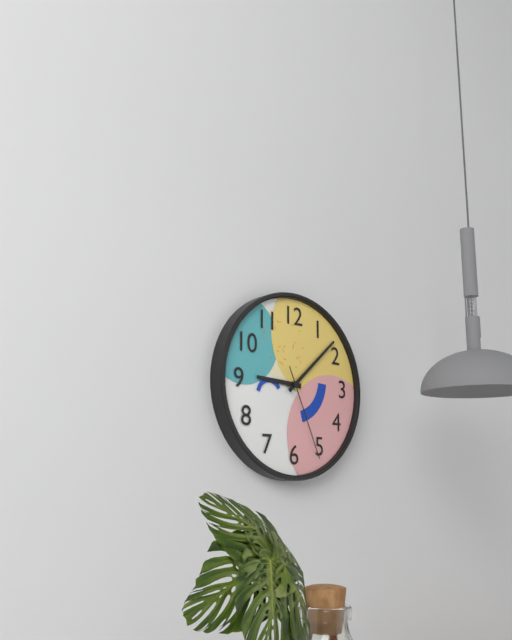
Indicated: 9,08,26
